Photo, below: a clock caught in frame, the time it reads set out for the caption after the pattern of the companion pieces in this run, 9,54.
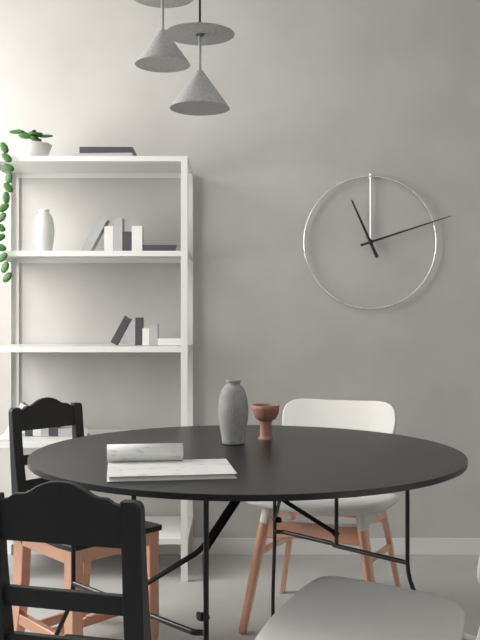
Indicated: 11,12
